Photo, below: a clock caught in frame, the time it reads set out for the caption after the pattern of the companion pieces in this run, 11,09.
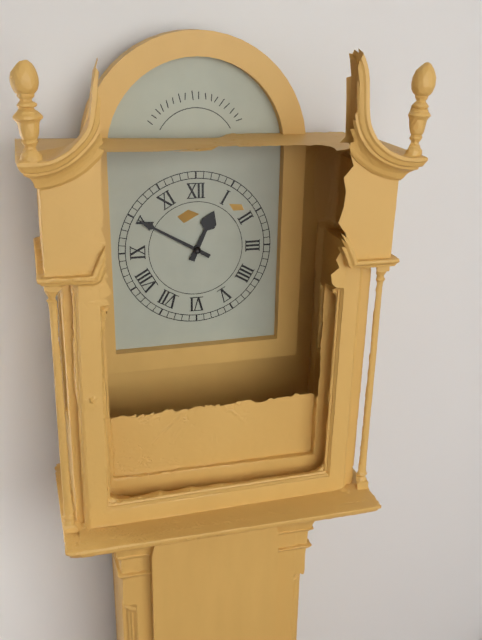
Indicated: 12,50
